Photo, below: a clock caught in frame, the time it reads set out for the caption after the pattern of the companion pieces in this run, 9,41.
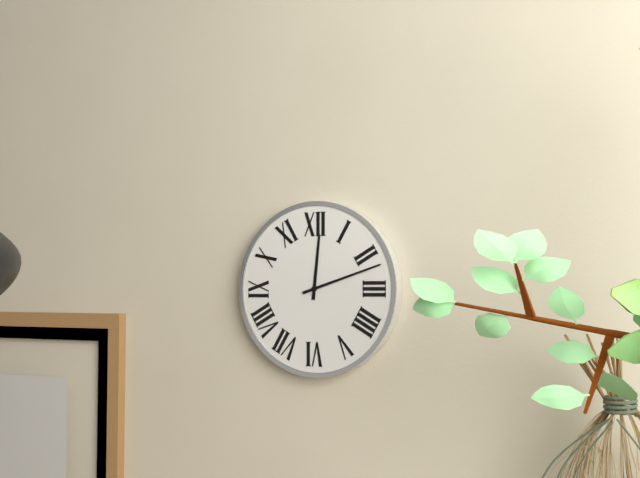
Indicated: 12,12
